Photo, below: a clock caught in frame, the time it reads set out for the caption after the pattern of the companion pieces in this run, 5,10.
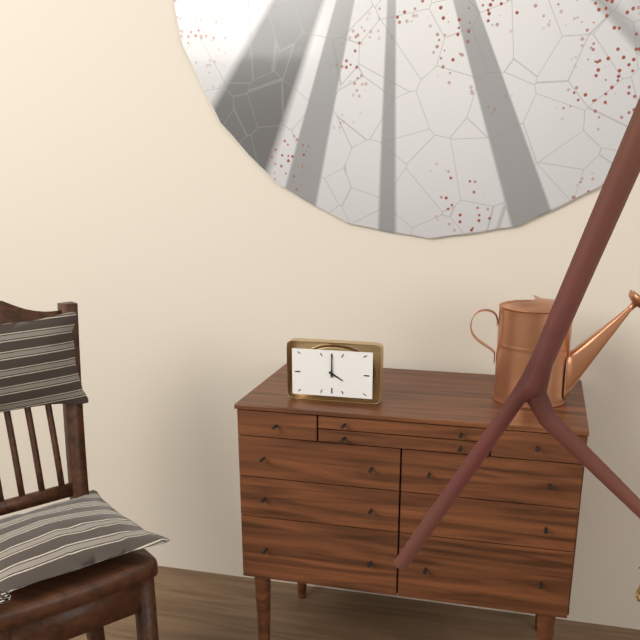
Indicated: 4,00
